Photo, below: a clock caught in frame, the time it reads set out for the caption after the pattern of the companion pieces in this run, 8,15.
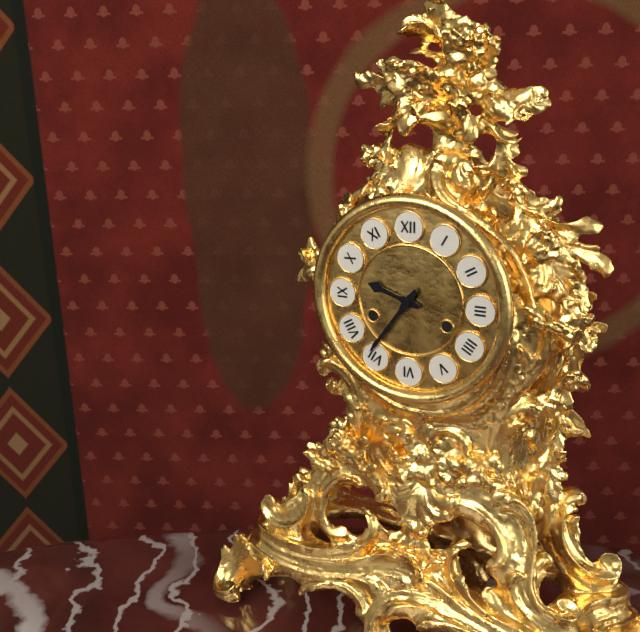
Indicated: 9,36
